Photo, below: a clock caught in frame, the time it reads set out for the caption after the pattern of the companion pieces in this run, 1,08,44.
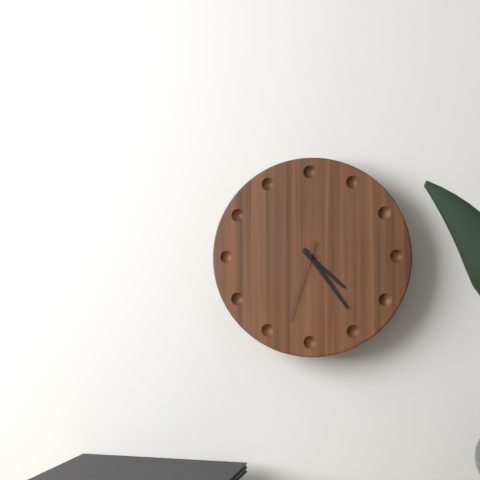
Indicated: 4,24,33
